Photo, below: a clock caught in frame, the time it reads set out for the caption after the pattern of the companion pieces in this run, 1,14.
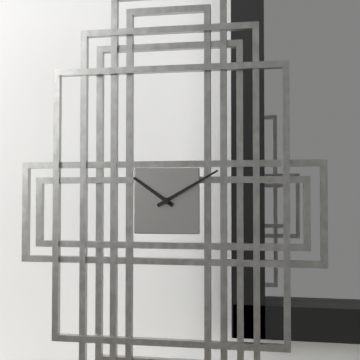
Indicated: 10,10
